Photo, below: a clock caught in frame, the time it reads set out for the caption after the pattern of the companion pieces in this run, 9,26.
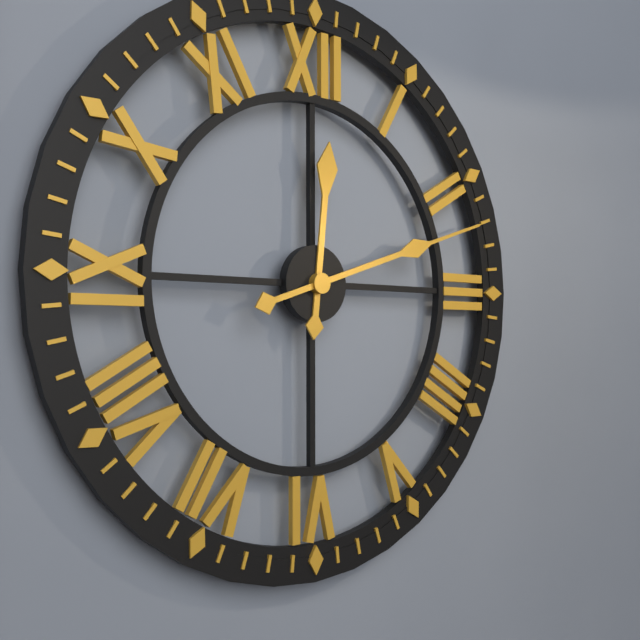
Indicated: 12,12
